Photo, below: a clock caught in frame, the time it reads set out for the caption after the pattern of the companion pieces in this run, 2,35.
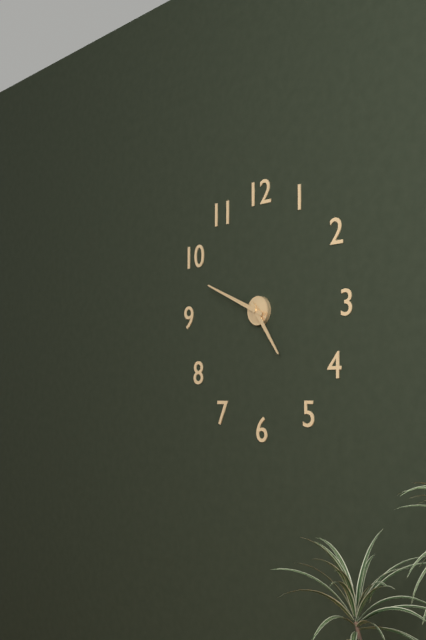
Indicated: 4,49
